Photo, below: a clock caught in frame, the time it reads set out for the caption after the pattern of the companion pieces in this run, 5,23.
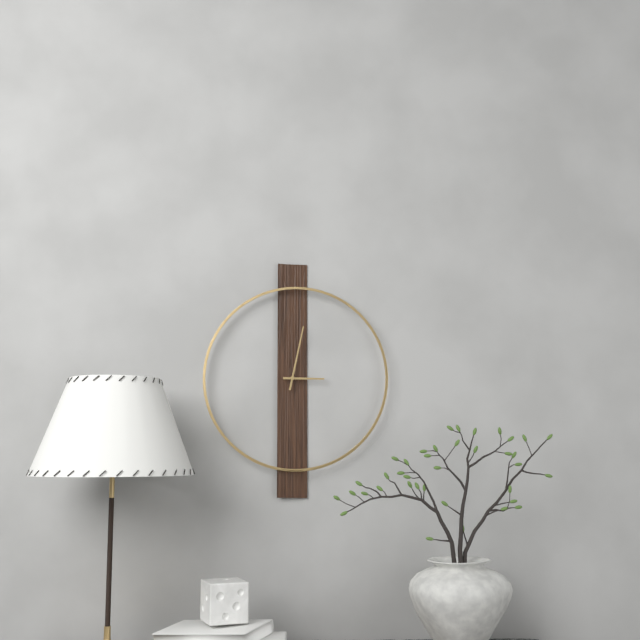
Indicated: 3,02
